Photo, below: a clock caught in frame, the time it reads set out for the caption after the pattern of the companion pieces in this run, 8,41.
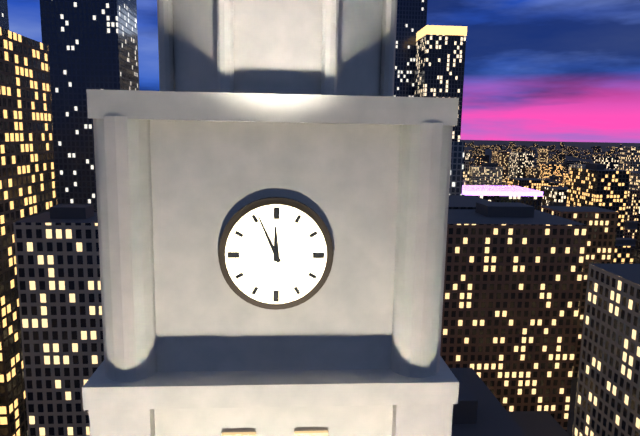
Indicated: 11,56
